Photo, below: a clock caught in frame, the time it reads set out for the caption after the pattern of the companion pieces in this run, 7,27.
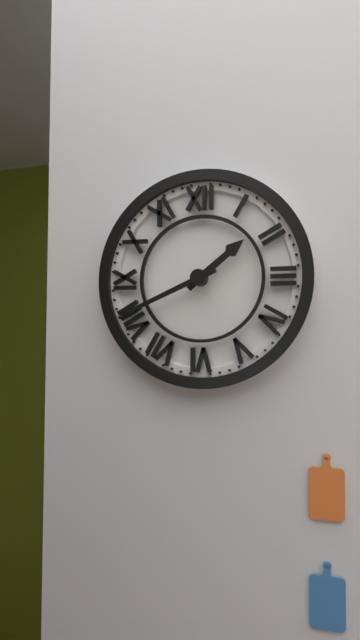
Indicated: 1,41
